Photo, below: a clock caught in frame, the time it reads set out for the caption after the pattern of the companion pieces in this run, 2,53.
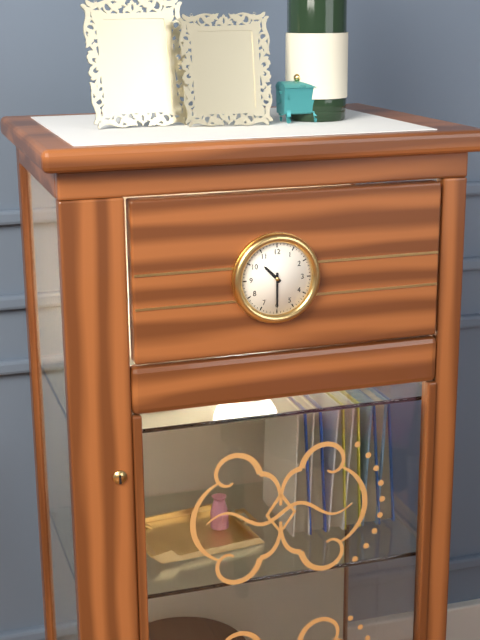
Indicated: 10,30
